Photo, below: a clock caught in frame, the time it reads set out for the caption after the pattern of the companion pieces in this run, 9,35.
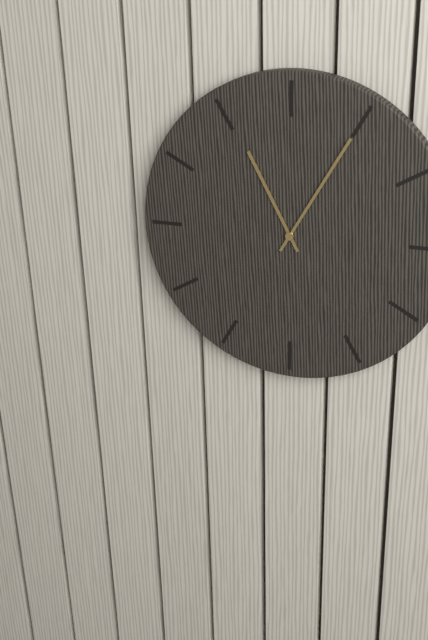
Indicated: 11,05
